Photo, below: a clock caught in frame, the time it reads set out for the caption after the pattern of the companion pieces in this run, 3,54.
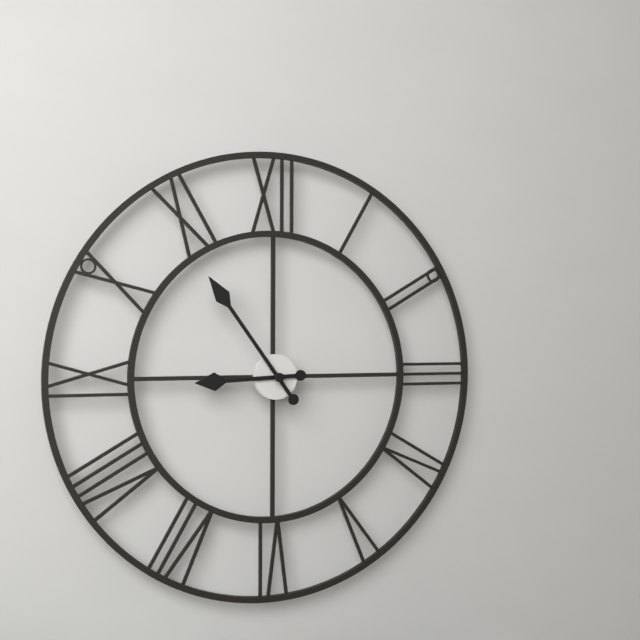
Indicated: 8,54
